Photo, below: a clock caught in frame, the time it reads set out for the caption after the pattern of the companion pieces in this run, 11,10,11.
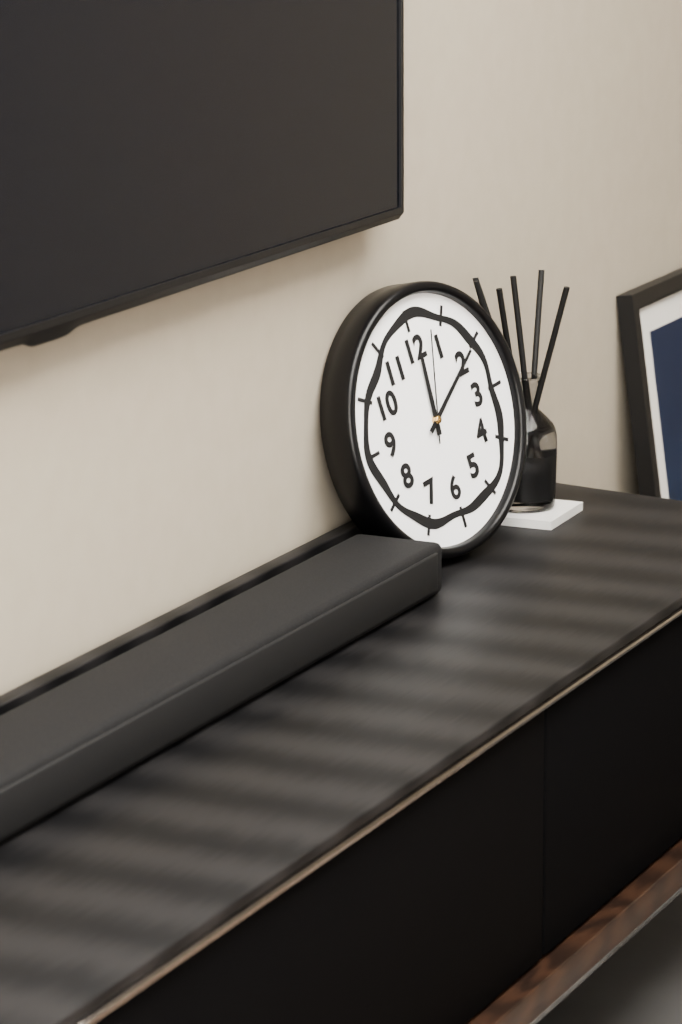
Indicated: 12,10,03
